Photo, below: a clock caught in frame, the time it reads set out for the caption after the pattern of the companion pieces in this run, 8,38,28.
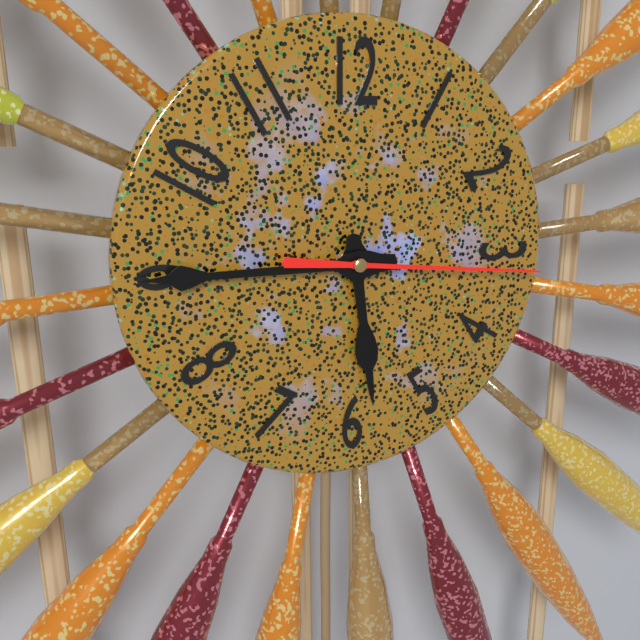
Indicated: 5,45,16
